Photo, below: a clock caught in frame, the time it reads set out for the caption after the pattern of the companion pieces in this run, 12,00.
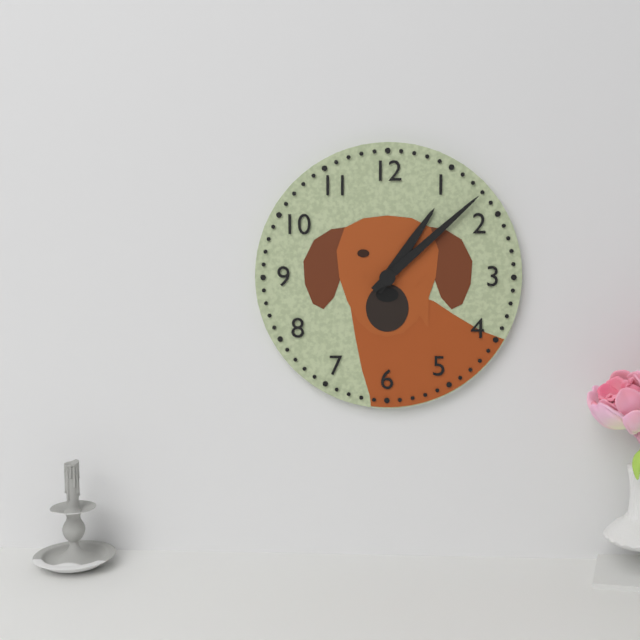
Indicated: 1,08
